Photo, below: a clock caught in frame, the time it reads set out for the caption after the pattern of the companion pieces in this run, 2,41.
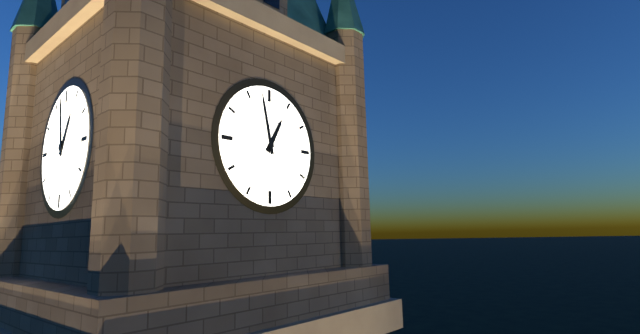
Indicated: 12,58
